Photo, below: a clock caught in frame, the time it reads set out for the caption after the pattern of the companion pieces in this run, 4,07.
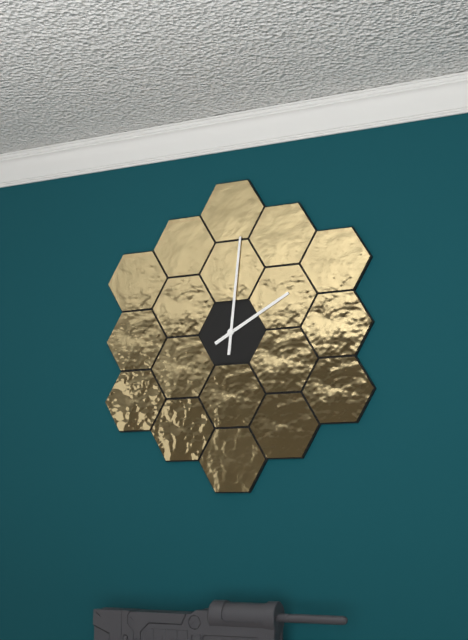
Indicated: 2,01
